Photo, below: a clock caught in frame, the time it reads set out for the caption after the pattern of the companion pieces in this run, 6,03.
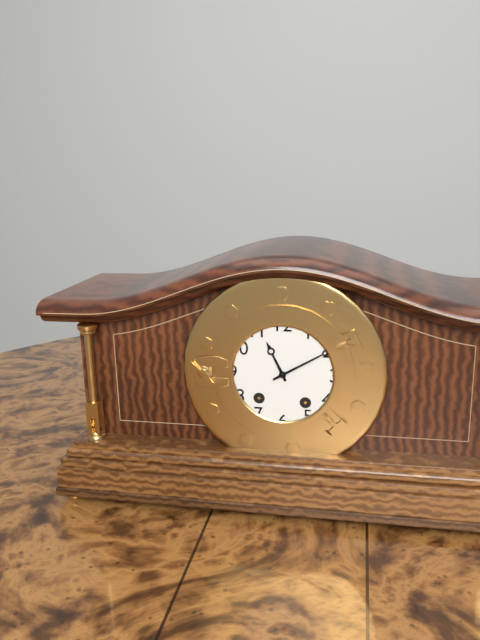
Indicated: 11,10
